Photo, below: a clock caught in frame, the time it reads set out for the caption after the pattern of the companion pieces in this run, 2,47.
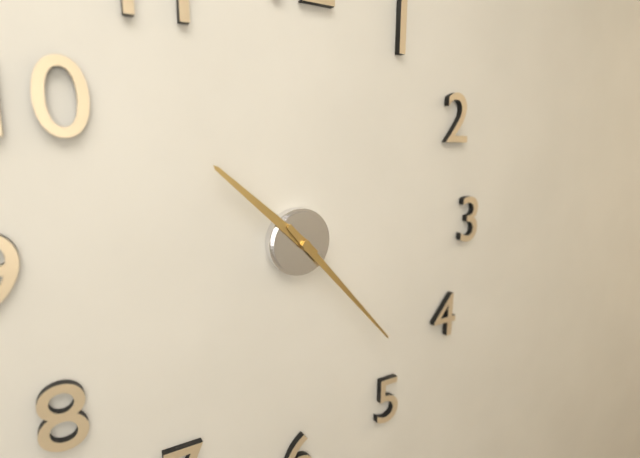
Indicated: 10,23
